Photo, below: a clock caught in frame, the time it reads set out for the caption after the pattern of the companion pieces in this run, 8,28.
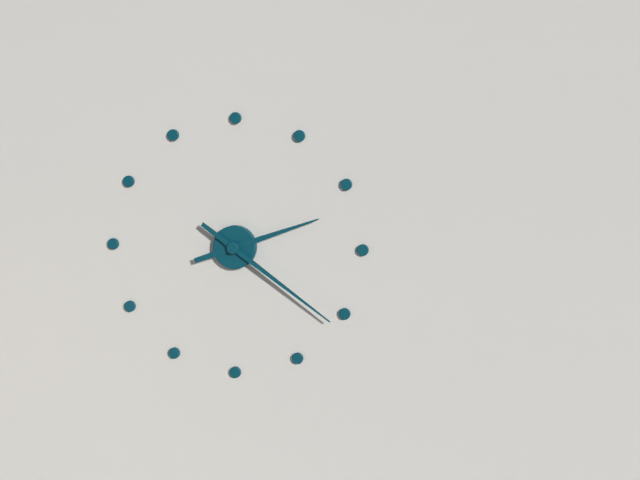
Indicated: 2,21
